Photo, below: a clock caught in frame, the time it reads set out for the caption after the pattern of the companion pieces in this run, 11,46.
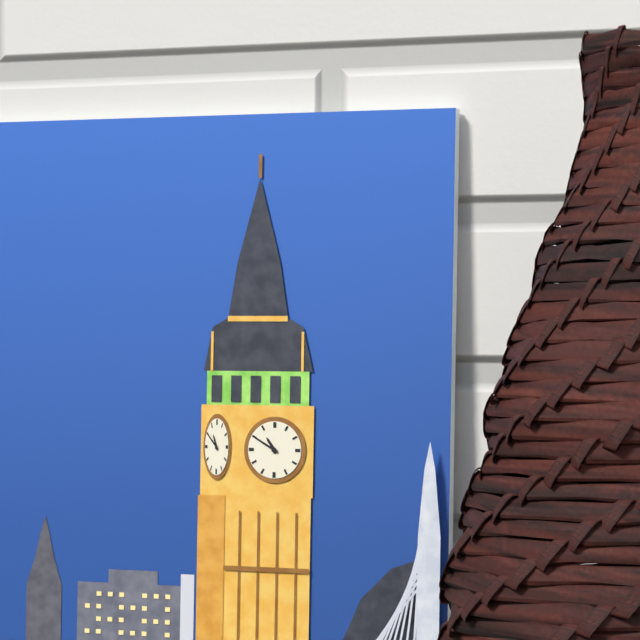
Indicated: 10,50
